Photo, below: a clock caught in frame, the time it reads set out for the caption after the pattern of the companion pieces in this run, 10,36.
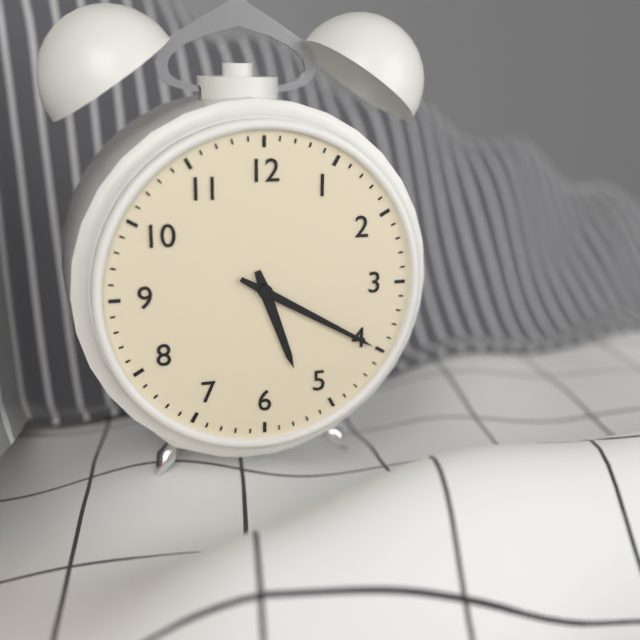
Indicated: 5,20
